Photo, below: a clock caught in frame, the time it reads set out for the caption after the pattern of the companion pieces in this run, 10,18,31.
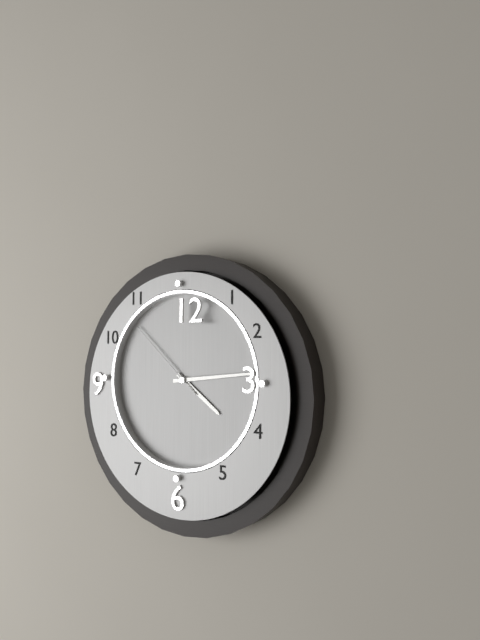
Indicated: 4,14,52
